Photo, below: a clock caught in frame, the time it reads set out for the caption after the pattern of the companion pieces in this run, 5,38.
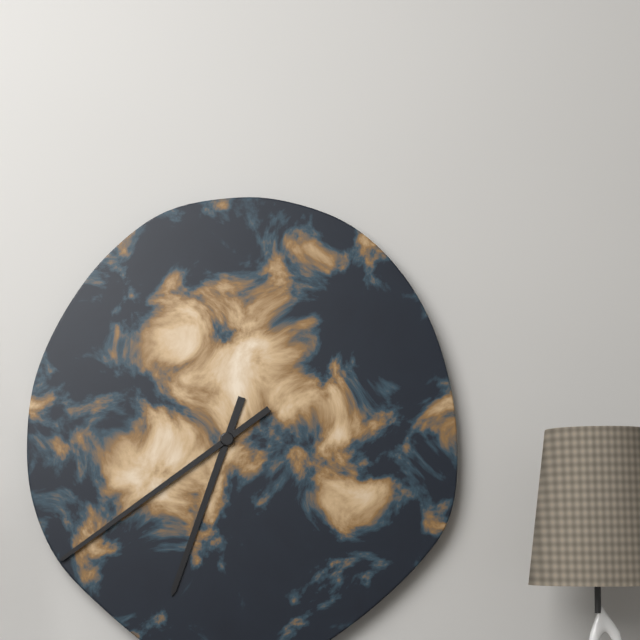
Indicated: 6,39
